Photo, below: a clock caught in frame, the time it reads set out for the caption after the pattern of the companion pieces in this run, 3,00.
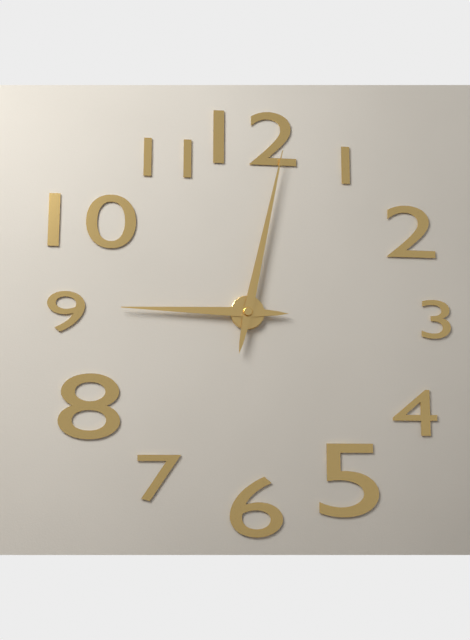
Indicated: 9,02
